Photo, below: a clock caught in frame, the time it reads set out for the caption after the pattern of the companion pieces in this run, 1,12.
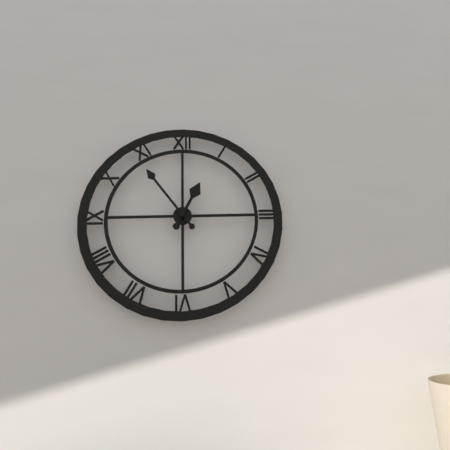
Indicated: 12,54
